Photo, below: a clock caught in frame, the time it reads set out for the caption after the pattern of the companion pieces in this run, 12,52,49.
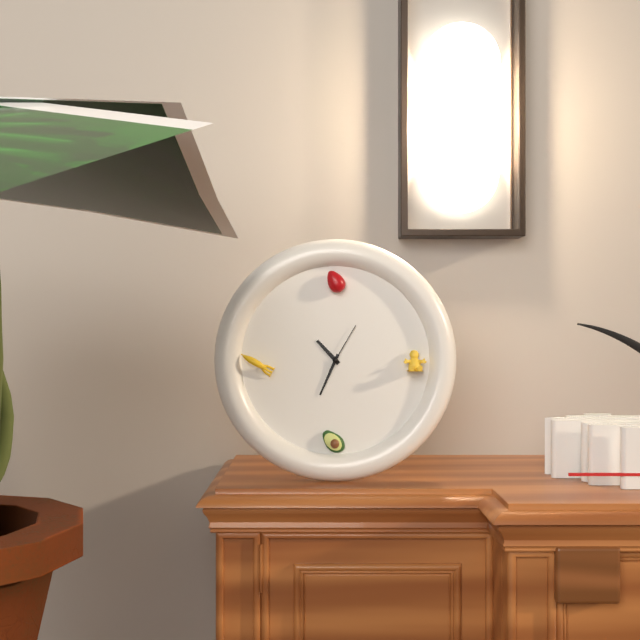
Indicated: 10,34,05
